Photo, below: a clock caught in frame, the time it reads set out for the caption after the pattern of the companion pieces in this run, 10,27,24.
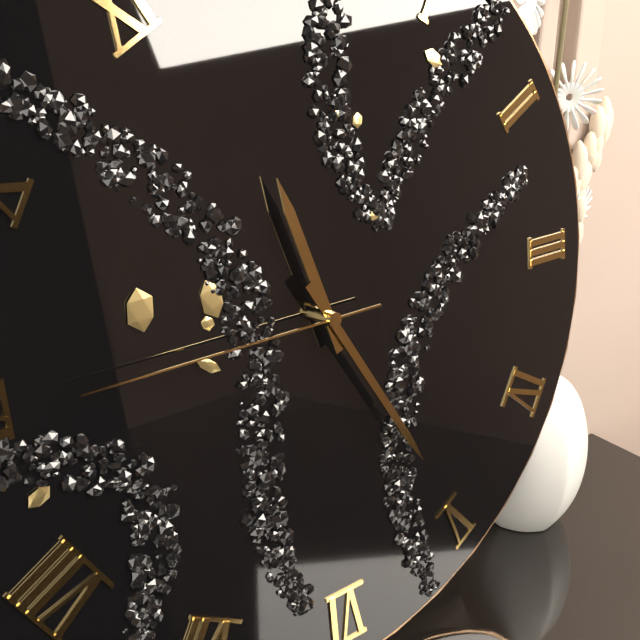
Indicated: 11,25,45
